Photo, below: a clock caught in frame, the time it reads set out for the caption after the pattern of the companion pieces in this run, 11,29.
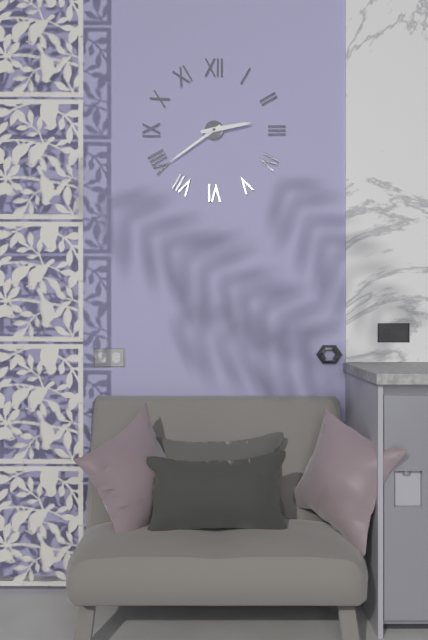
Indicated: 2,39
